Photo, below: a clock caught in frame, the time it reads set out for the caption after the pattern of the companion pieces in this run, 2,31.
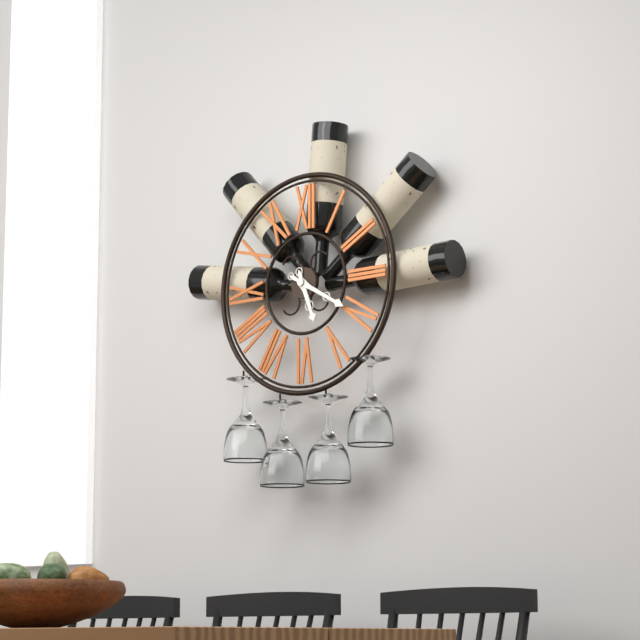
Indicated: 5,20
